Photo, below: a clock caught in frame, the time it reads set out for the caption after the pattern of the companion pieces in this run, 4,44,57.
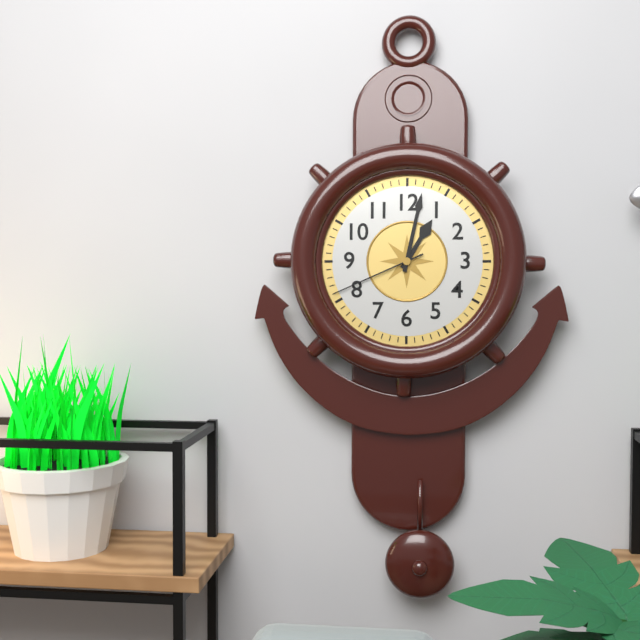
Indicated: 1,02,41
